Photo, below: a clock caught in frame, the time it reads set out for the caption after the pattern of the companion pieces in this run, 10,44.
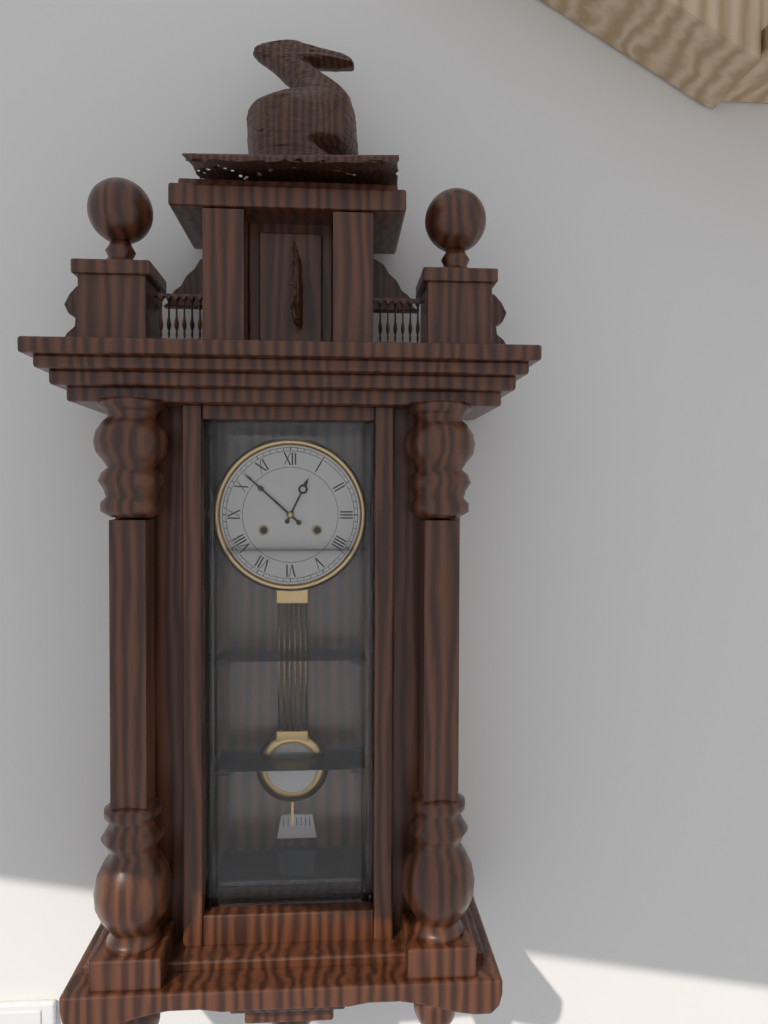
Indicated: 12,52
